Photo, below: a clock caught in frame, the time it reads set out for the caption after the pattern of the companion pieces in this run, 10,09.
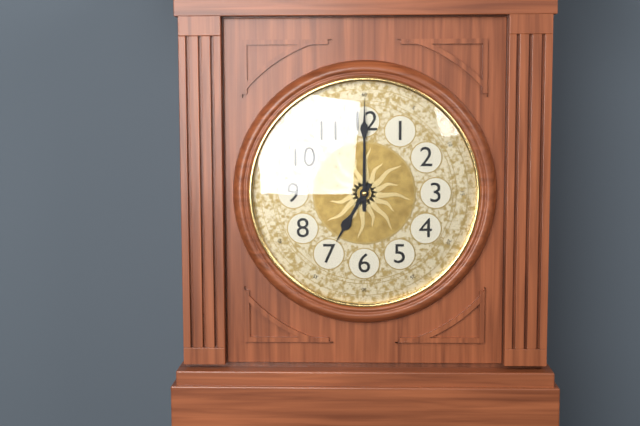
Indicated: 7,00
